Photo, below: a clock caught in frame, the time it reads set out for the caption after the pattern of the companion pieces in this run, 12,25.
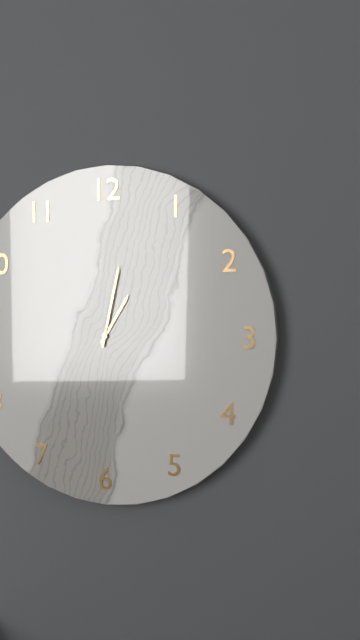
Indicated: 1,02
